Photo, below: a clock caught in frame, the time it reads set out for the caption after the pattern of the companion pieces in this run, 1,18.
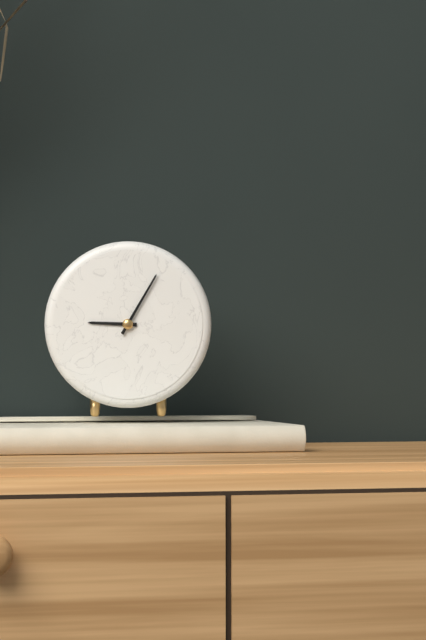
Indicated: 9,05
